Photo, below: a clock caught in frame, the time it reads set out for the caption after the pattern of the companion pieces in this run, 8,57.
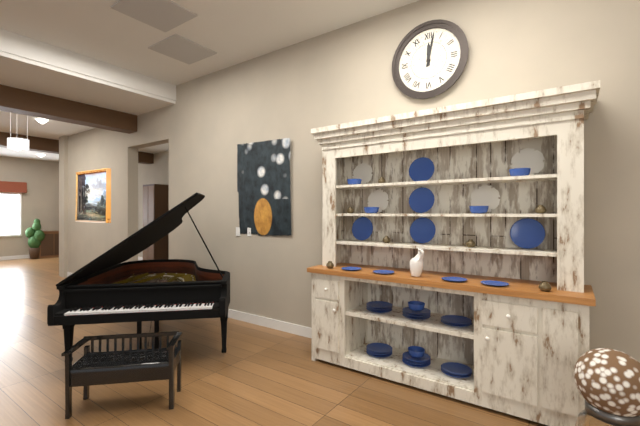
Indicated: 12,02
